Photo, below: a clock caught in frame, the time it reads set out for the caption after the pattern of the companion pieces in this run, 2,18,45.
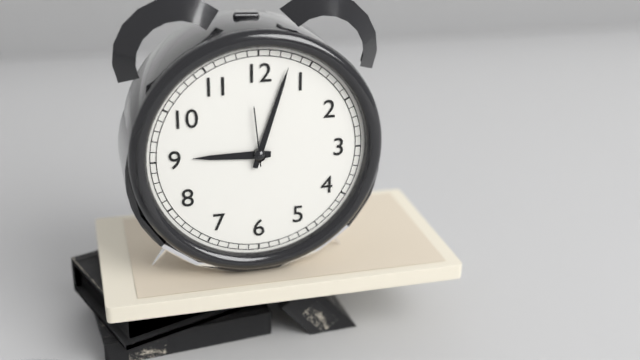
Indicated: 9,03,59
